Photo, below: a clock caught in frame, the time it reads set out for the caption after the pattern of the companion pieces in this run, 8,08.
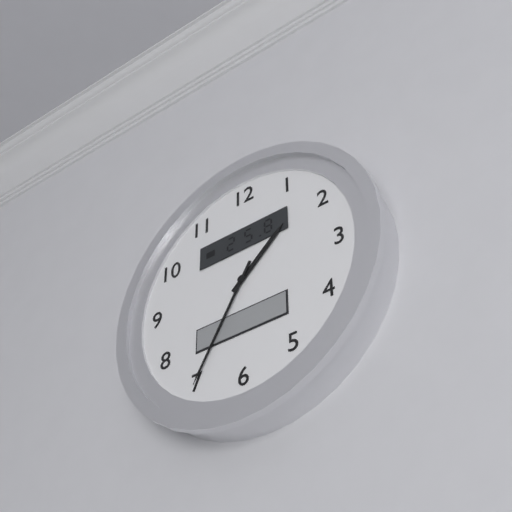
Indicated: 1,35
